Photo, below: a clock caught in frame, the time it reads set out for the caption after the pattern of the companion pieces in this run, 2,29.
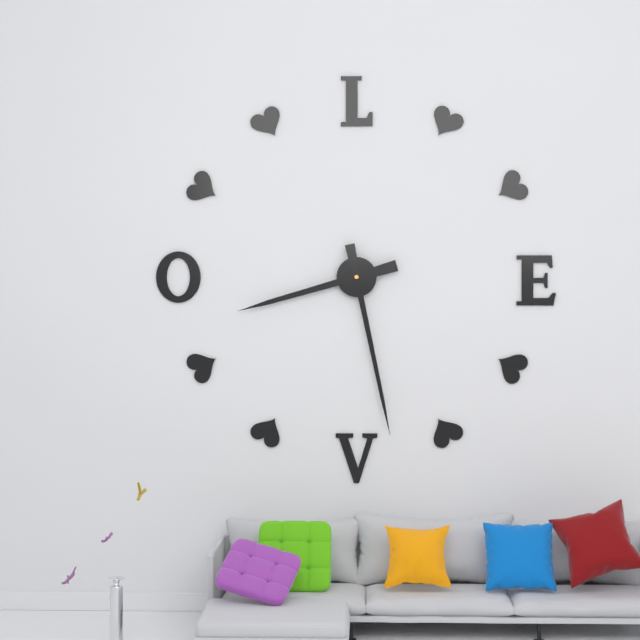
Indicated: 8,28
